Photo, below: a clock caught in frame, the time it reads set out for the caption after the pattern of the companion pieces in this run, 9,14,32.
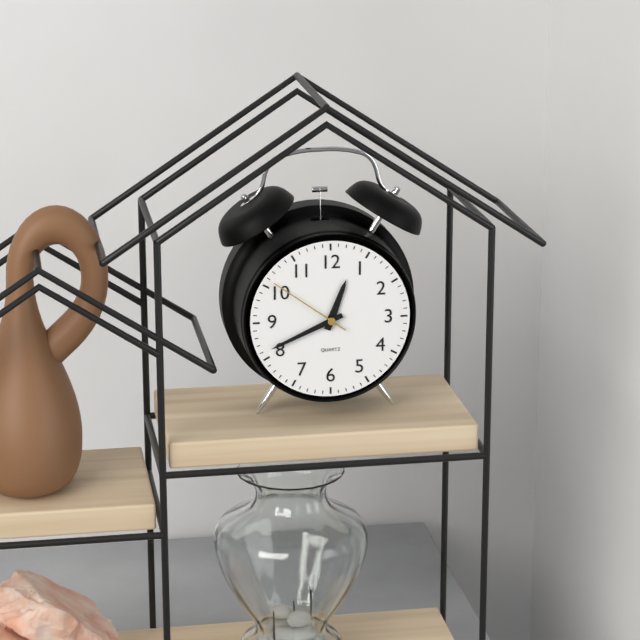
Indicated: 12,41,51
